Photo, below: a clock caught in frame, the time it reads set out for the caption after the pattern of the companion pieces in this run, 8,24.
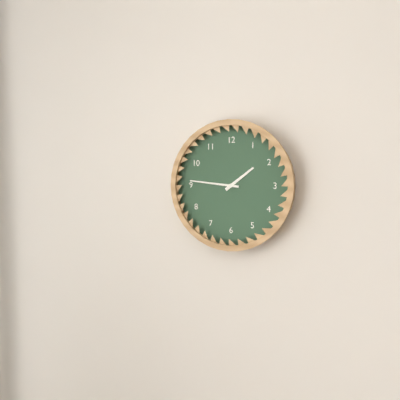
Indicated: 1,46
